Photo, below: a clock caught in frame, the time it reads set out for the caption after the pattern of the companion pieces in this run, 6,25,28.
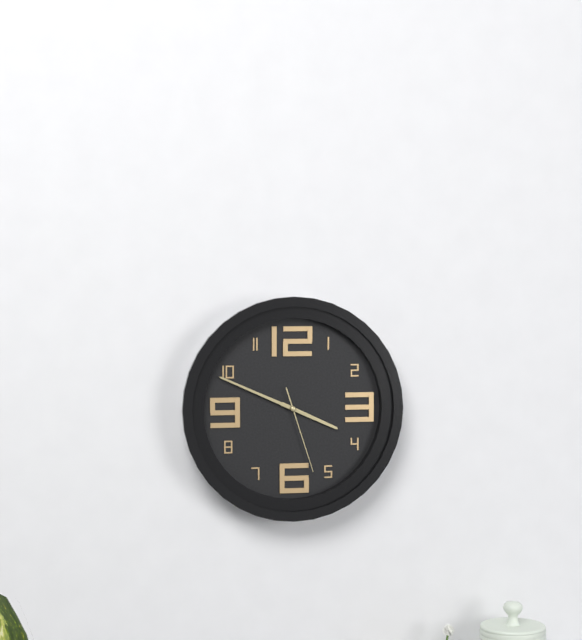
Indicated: 3,49,27
